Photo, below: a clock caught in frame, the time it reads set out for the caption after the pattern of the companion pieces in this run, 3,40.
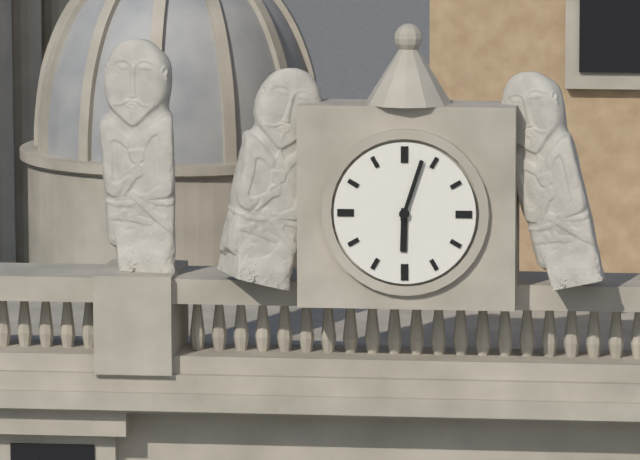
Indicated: 6,03
